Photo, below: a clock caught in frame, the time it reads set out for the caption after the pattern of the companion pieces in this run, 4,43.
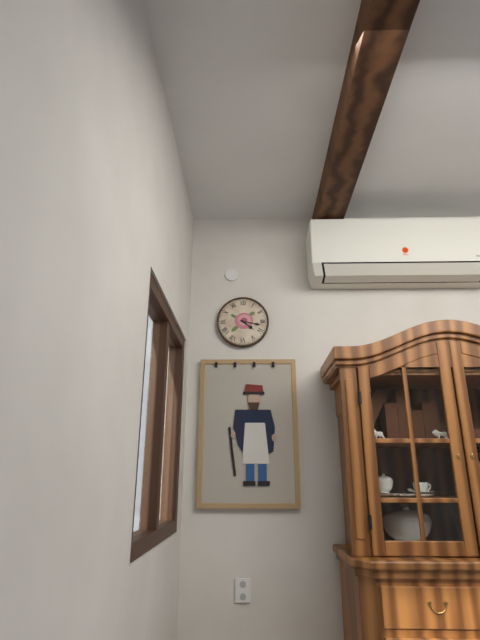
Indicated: 4,17
